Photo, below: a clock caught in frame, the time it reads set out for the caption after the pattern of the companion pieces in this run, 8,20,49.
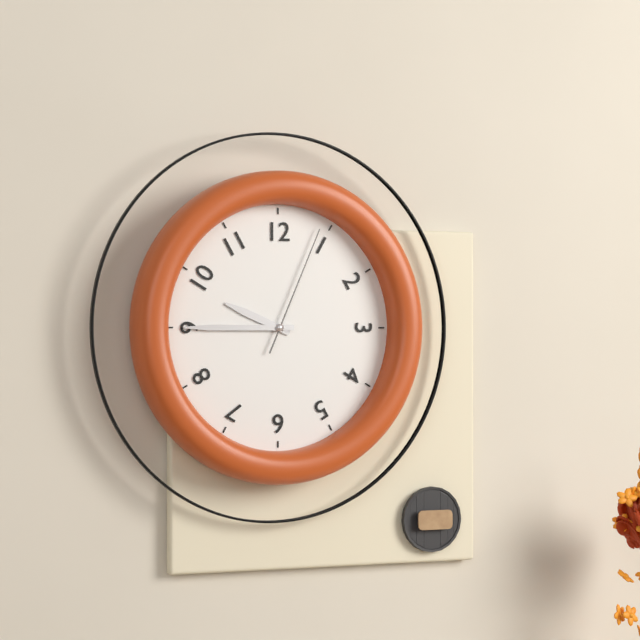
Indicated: 9,45,04
